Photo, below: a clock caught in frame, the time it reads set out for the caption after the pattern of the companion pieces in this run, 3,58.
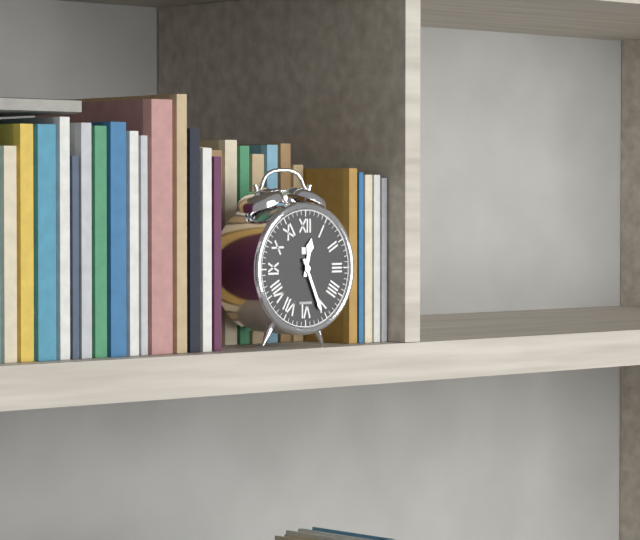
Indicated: 12,26
